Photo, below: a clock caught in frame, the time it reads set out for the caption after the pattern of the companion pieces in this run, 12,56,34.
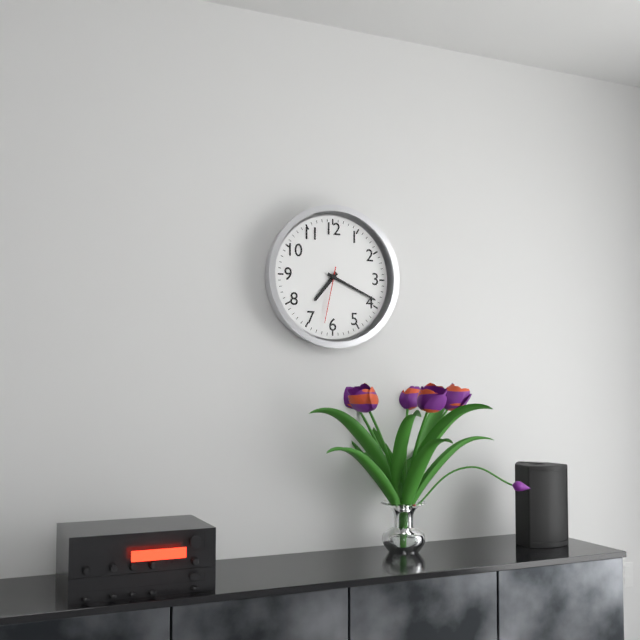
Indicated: 7,19,32
